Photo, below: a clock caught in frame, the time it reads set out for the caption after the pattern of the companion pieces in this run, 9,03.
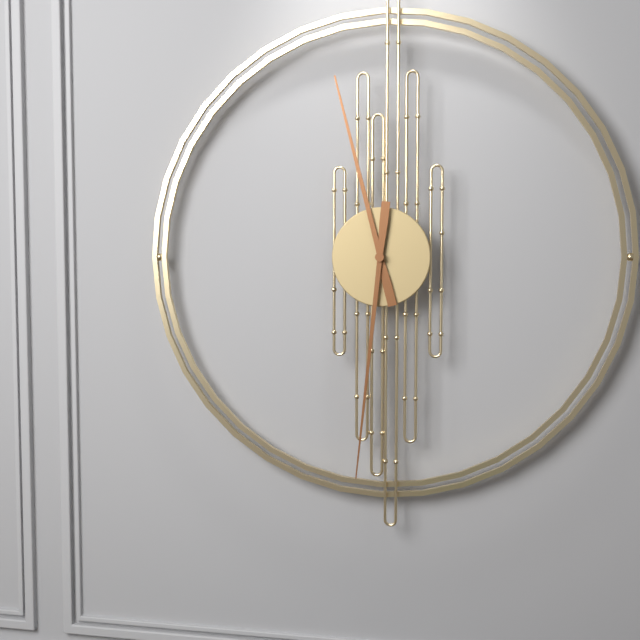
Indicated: 11,31
